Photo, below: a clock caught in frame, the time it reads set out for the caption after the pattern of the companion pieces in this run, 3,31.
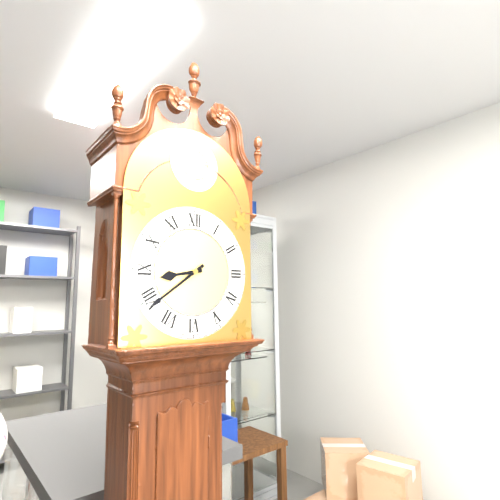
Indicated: 8,39
